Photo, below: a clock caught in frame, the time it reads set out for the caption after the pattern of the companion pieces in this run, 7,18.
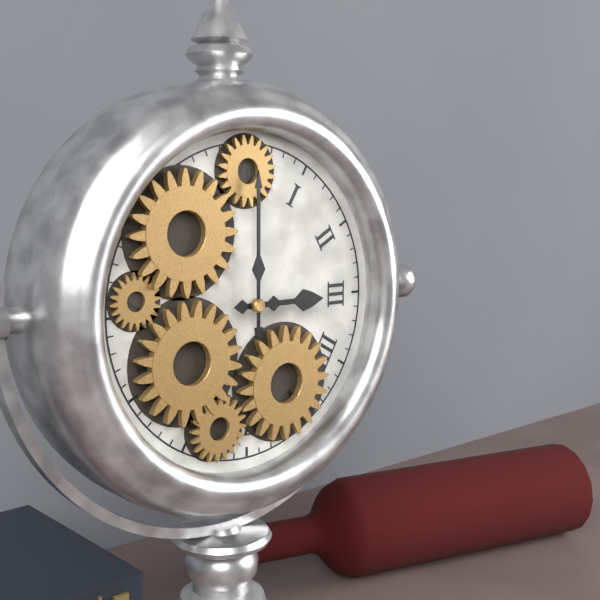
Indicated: 3,00
